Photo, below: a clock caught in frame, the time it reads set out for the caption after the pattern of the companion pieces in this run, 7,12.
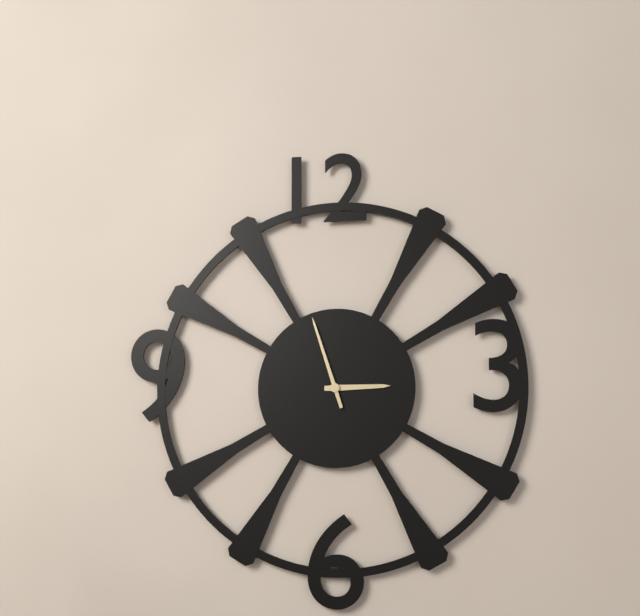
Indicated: 2,57
